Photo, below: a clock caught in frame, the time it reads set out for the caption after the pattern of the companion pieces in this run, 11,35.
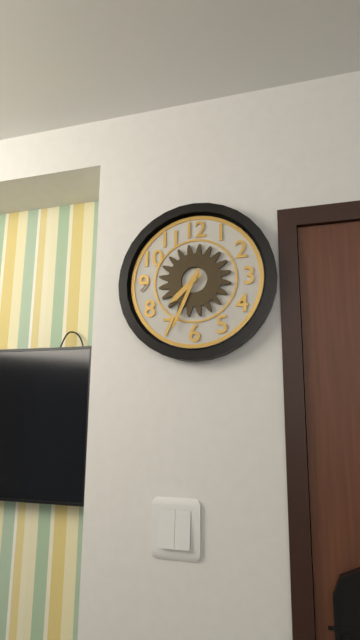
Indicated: 7,34
